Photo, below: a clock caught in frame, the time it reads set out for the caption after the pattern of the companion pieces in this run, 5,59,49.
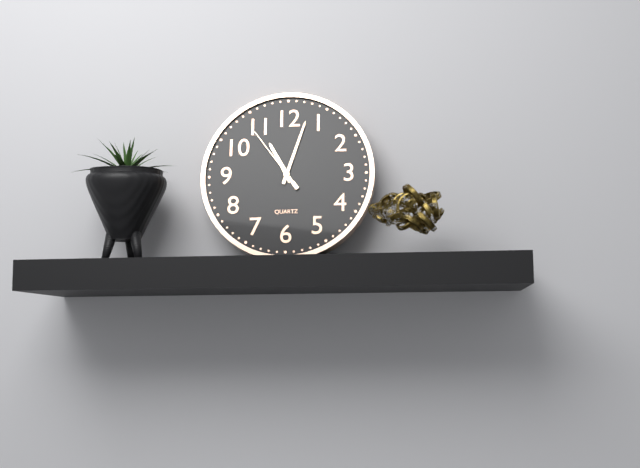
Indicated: 11,03,54
